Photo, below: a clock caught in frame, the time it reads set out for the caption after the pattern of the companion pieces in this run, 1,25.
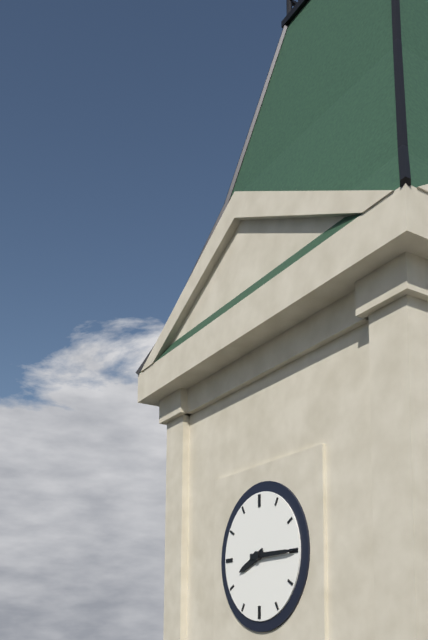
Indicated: 8,15
